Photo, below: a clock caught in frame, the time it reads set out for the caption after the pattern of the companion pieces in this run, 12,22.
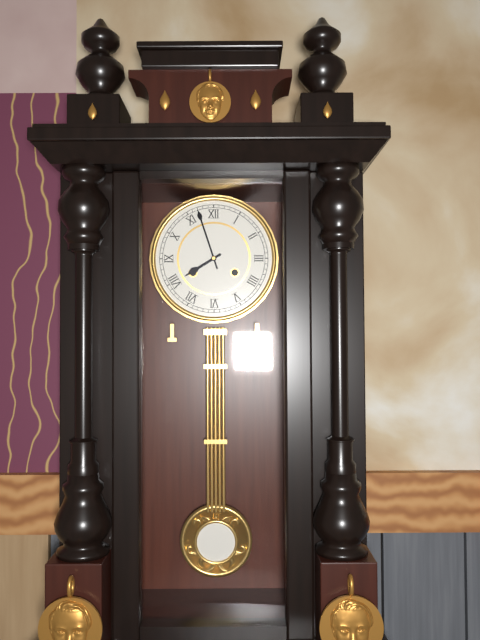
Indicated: 7,57
